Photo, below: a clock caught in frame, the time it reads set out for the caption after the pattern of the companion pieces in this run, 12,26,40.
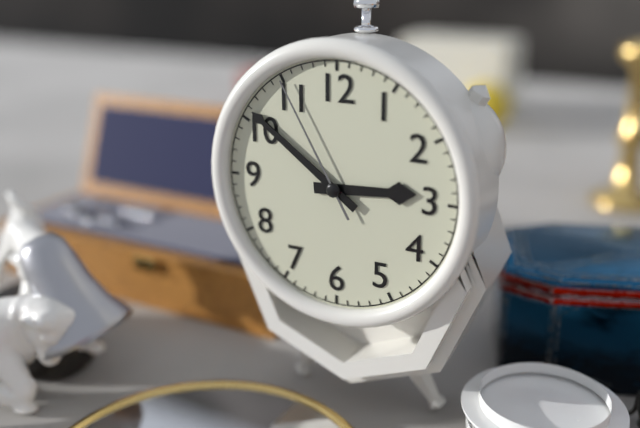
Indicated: 2,51,55
